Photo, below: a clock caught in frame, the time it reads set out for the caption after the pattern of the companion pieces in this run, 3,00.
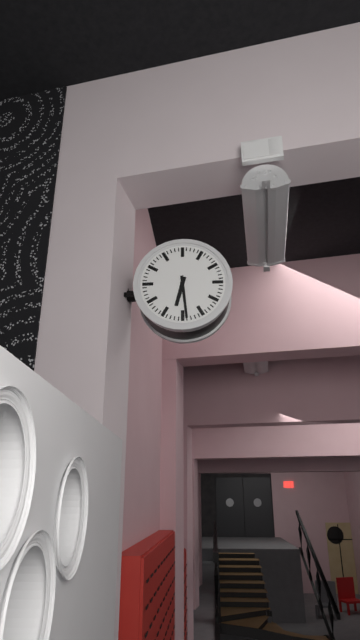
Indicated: 6,29
